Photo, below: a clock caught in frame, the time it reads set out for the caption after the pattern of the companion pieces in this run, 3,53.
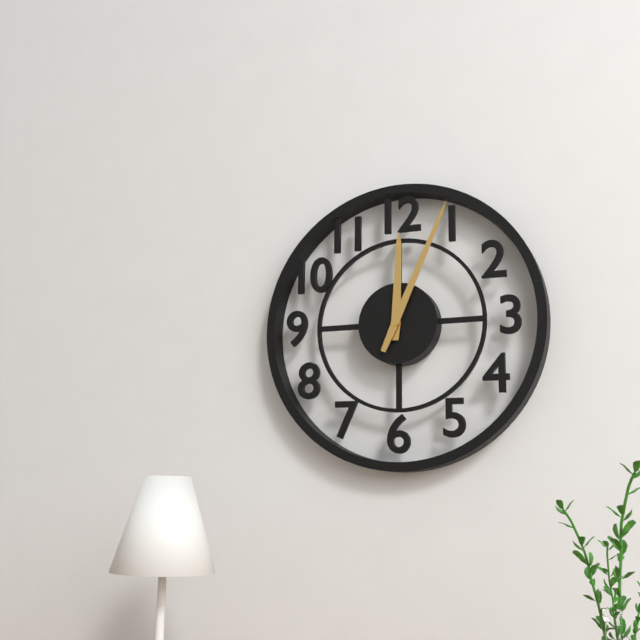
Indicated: 12,04
